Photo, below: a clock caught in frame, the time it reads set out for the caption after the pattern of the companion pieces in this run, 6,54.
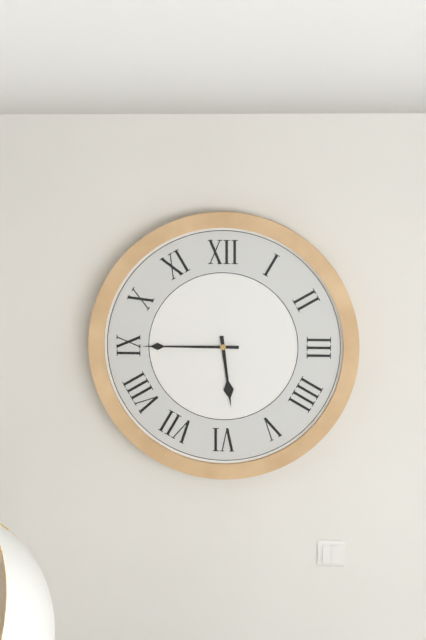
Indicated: 5,45
